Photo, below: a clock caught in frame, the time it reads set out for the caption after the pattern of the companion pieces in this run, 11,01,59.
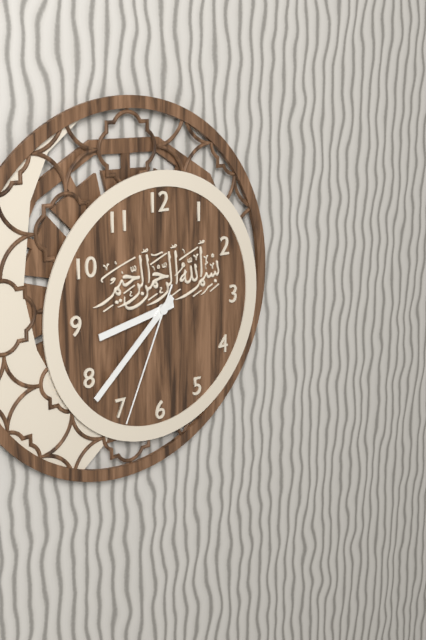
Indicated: 8,38,34
